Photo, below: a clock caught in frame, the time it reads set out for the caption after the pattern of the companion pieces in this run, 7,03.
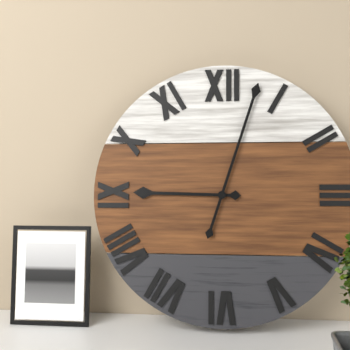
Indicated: 9,03
